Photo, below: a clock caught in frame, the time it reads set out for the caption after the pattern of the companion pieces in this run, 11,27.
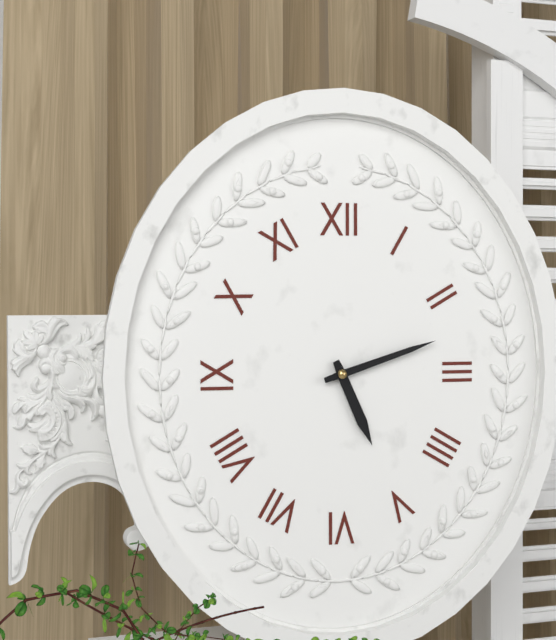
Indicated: 5,12
